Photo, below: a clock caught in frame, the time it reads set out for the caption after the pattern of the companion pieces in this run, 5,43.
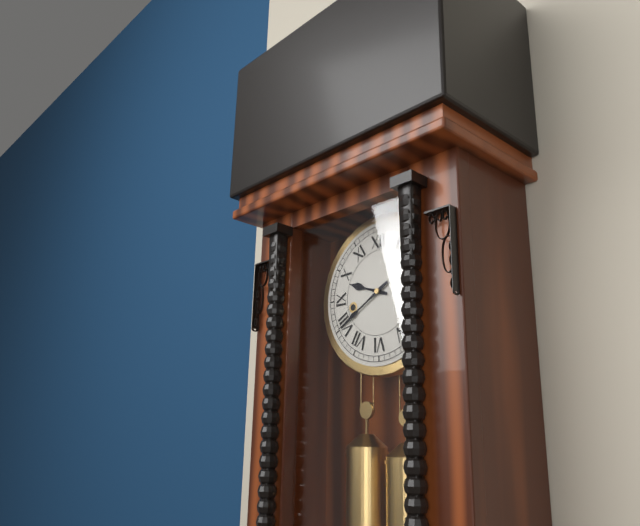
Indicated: 9,40
